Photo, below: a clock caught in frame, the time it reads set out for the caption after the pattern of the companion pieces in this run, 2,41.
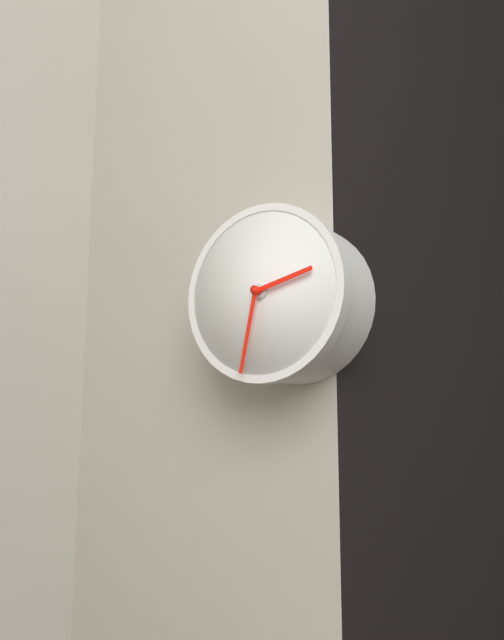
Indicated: 2,32
